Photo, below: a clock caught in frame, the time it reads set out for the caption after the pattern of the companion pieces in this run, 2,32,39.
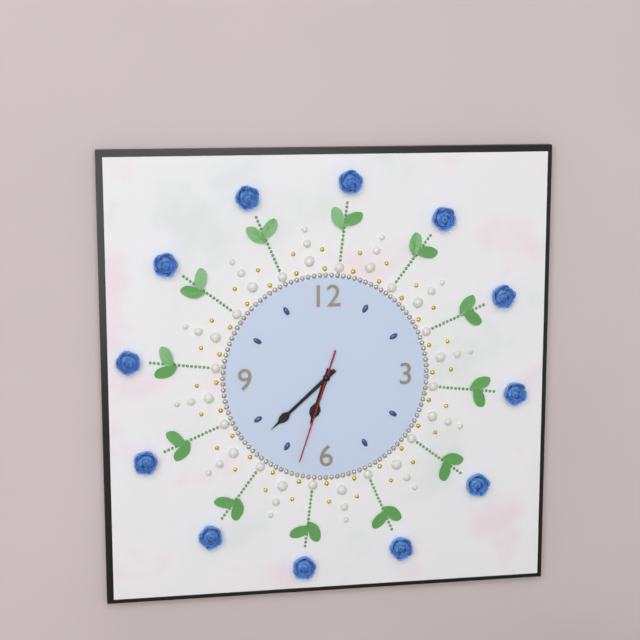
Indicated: 6,38,33
